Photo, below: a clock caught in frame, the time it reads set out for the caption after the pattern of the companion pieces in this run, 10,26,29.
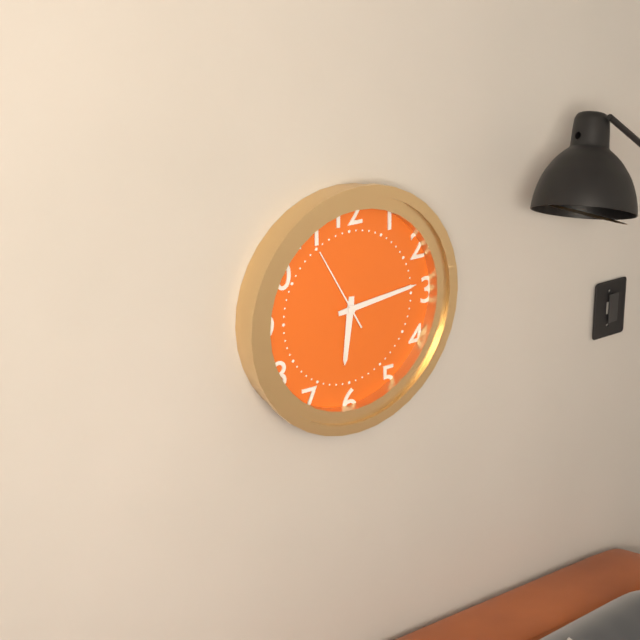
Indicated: 6,14,55
